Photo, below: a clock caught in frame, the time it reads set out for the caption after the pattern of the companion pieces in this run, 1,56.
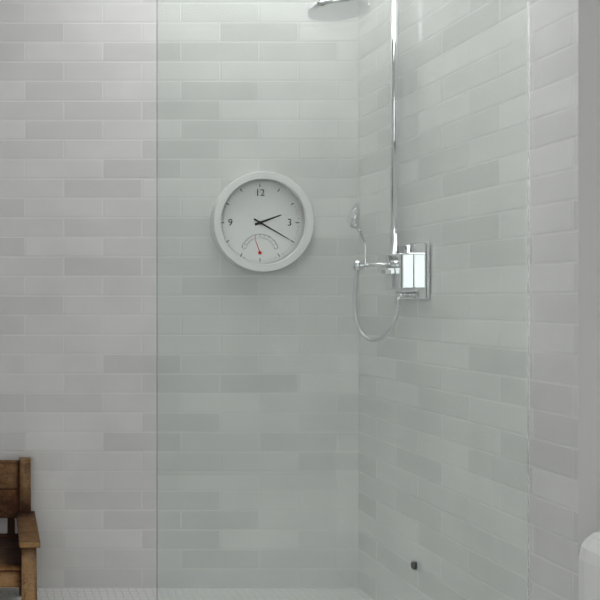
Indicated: 2,20
